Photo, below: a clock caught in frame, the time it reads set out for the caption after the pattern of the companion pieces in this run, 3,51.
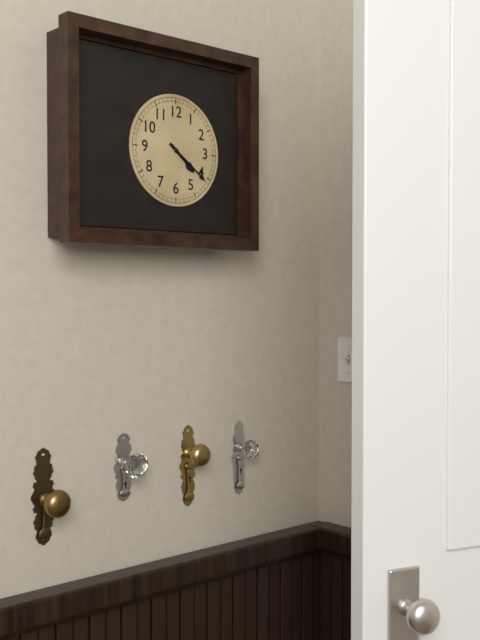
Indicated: 4,21
